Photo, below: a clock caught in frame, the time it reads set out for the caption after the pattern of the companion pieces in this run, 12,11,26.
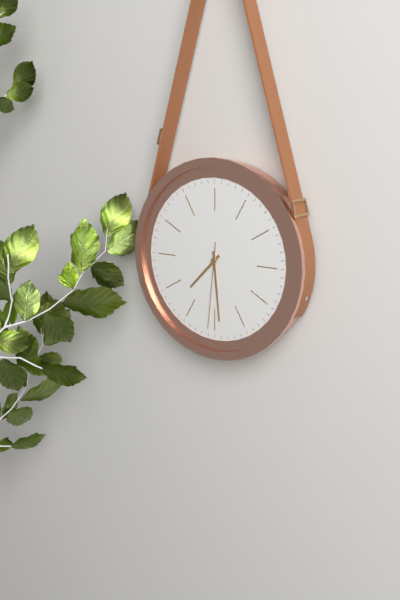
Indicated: 7,29,31
